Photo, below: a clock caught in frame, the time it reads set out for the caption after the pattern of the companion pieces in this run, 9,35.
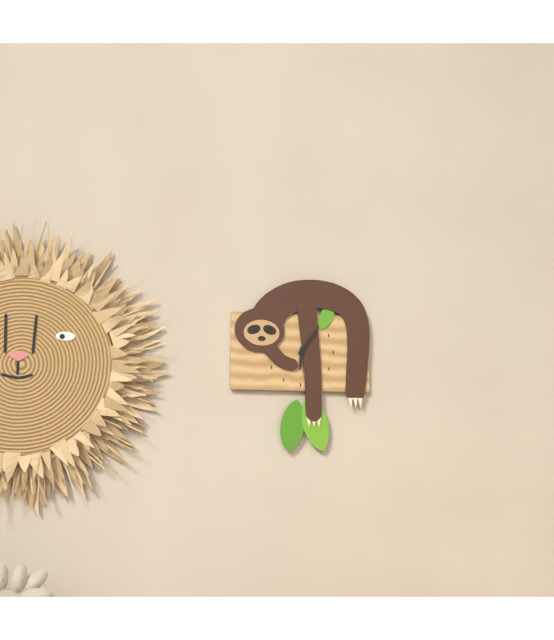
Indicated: 6,06
